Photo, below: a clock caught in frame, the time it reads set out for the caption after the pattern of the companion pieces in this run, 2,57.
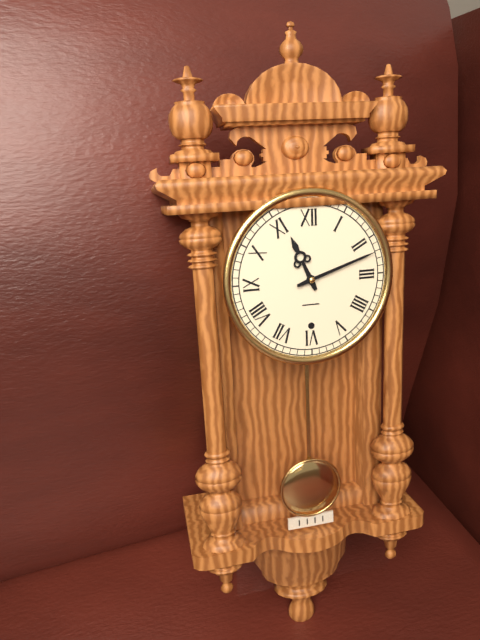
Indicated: 11,12
